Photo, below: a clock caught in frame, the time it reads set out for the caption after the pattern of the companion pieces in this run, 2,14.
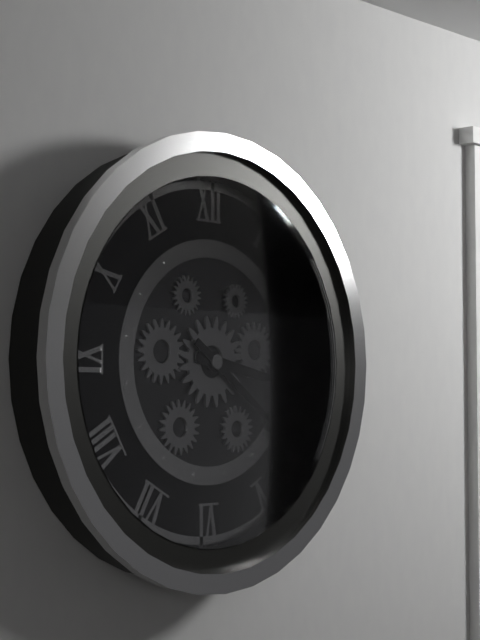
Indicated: 3,21
